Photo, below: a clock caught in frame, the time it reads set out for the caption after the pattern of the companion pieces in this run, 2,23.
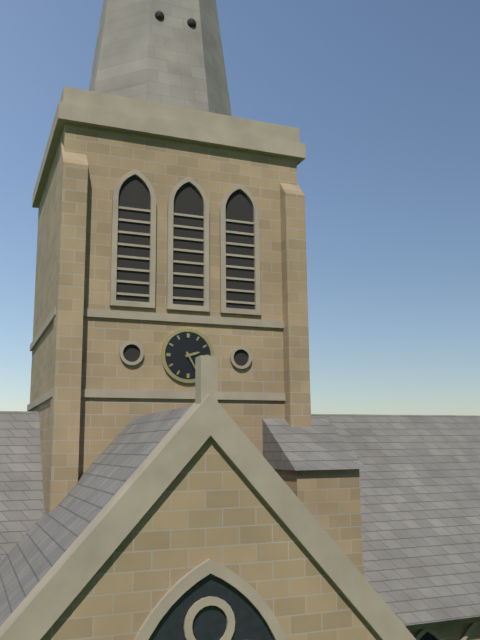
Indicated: 2,25
